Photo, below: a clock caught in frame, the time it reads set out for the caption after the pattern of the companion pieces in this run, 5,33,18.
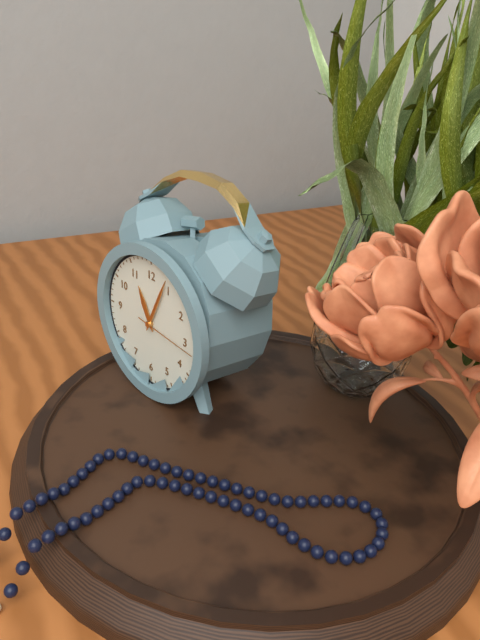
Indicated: 11,04,16
